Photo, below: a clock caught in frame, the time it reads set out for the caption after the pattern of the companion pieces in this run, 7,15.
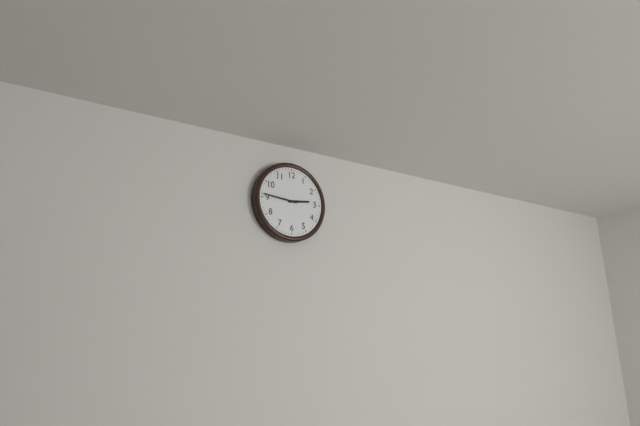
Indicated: 2,46
